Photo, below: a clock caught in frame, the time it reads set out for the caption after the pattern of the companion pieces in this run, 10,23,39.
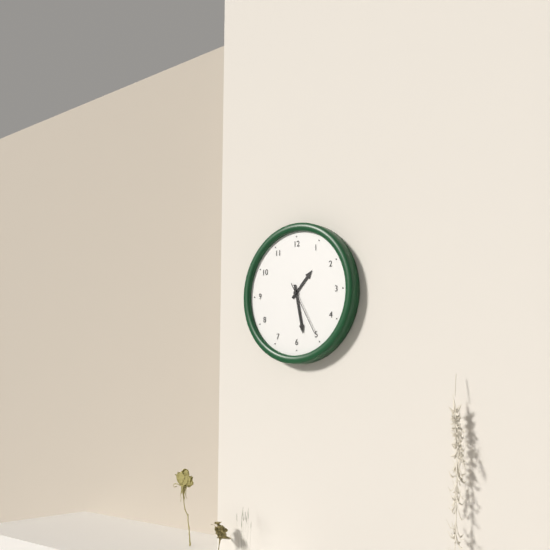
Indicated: 1,28,25
